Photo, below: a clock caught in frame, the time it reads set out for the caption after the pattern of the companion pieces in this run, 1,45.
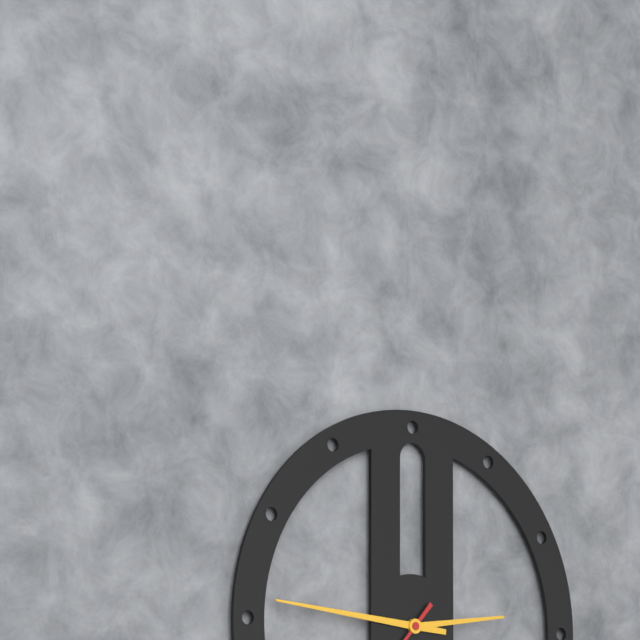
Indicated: 2,46
